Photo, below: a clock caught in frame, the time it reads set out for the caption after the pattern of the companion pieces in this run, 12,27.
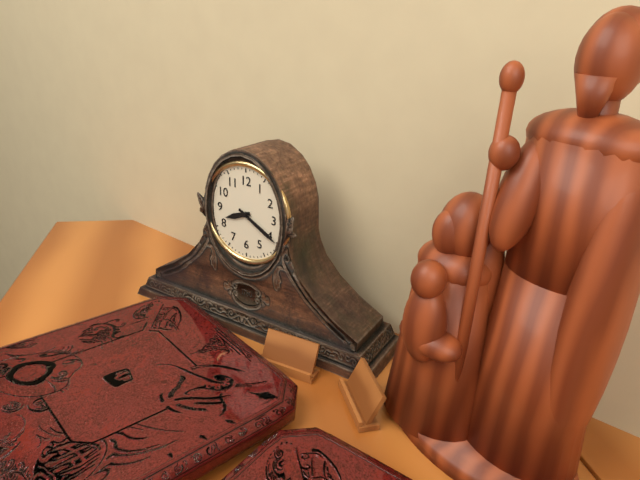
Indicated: 8,20
